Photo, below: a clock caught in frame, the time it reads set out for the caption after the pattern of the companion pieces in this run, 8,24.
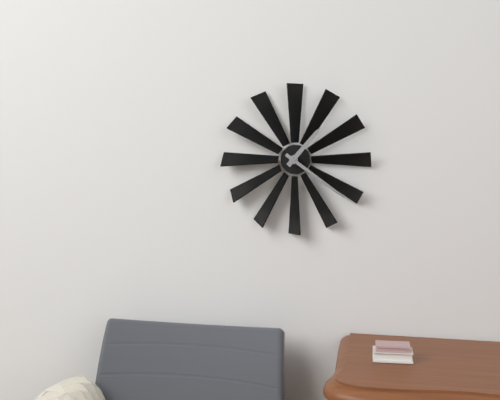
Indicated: 1,21
